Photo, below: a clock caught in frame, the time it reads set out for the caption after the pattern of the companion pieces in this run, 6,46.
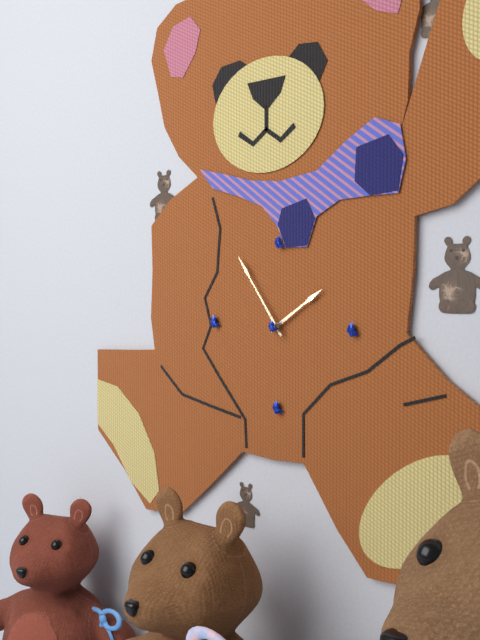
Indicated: 1,54
